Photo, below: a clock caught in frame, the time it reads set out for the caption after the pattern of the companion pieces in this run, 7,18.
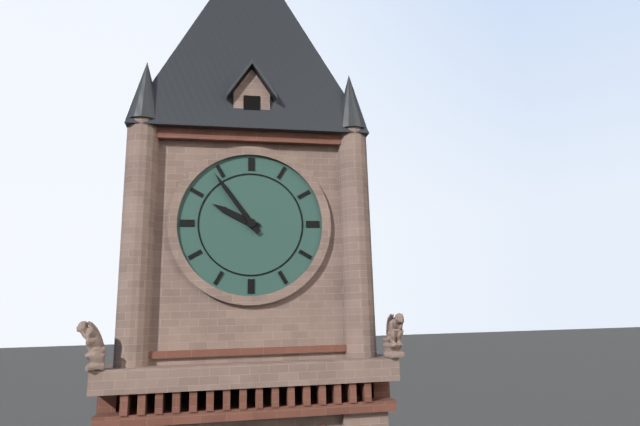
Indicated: 9,54
